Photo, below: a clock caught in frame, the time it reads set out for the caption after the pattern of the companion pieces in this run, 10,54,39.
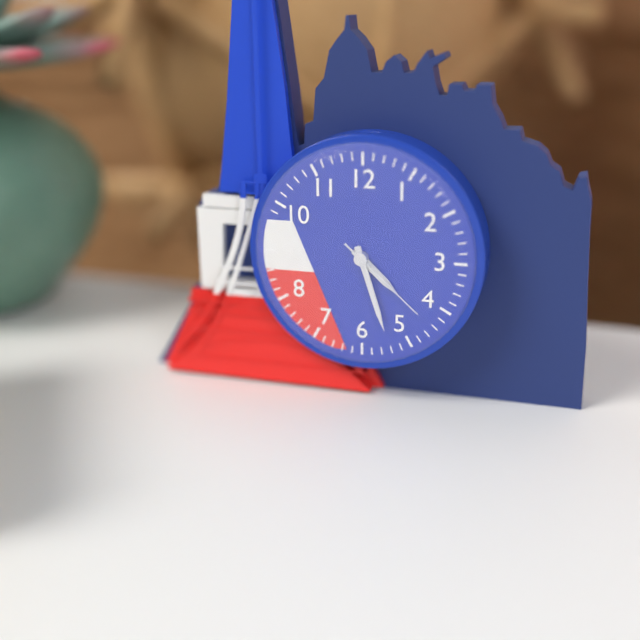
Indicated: 4,27,22
